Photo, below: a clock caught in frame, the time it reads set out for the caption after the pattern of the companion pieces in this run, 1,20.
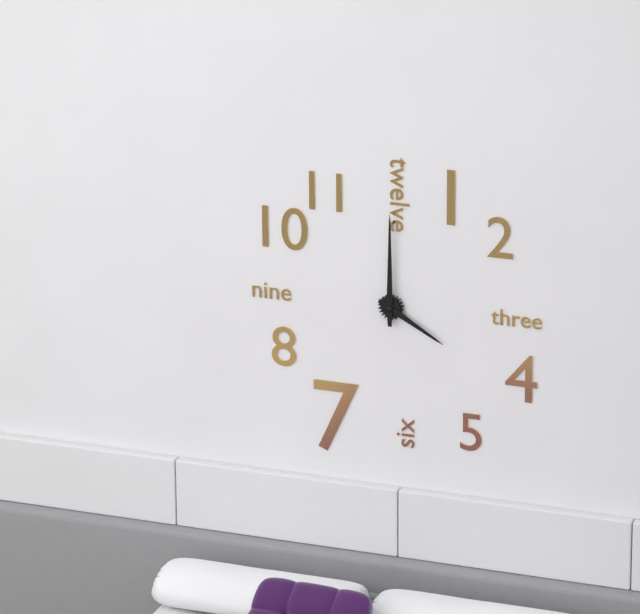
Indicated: 4,00
